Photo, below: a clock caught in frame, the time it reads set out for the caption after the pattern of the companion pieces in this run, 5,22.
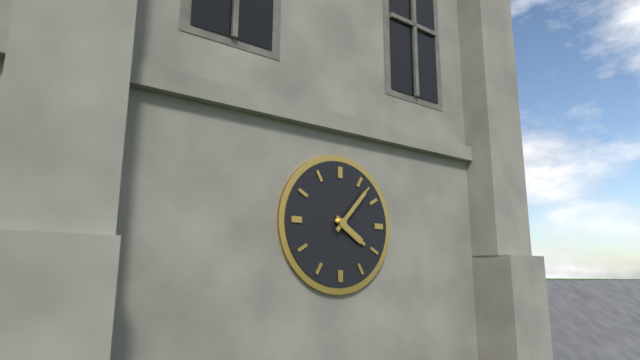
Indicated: 4,07
